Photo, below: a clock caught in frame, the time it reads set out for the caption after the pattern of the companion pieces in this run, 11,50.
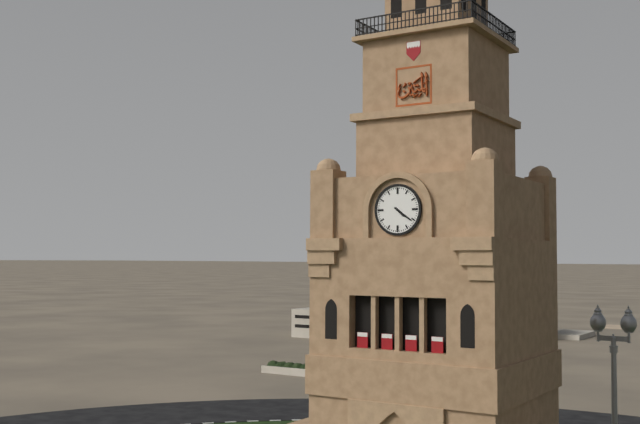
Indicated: 4,21
